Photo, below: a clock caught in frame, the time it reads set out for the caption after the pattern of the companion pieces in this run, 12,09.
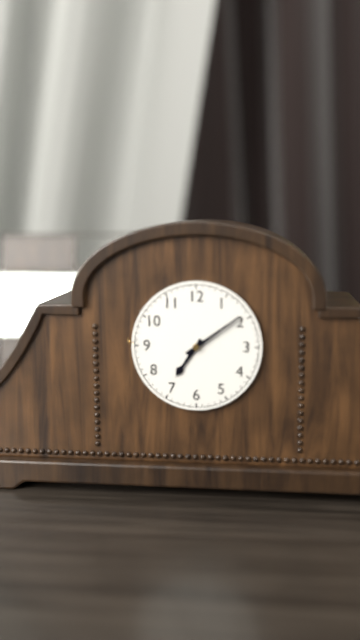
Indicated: 7,09
